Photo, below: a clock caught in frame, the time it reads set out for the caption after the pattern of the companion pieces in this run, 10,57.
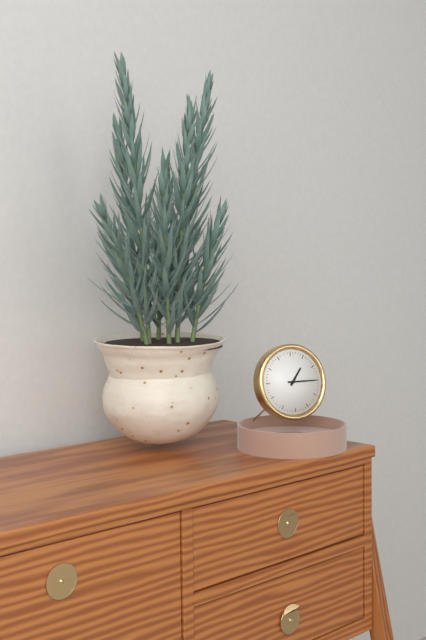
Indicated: 1,15
